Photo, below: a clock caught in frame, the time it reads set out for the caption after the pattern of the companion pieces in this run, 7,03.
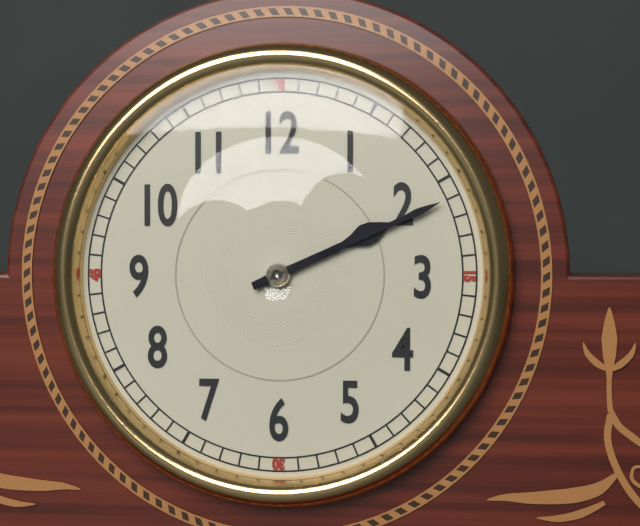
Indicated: 2,11
